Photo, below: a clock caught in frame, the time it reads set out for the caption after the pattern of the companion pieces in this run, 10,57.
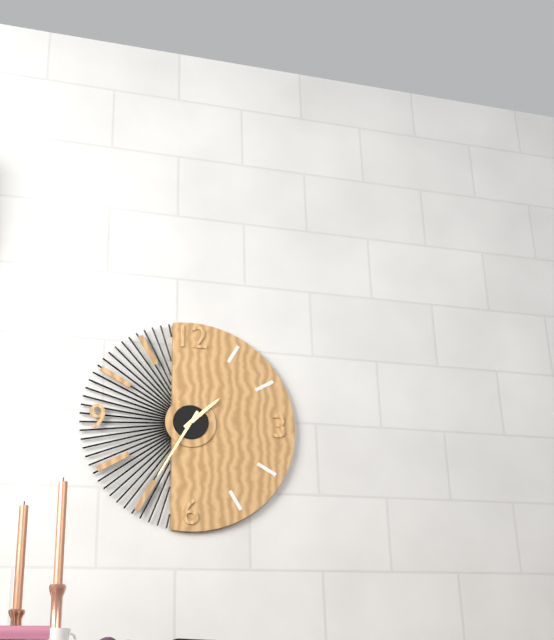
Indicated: 1,35
